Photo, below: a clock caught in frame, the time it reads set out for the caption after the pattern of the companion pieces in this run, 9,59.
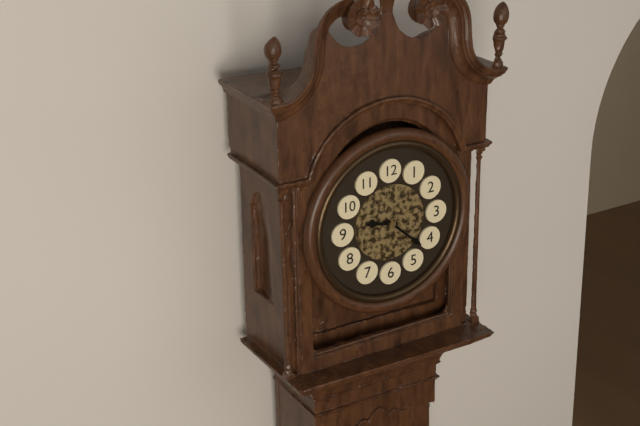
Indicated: 9,22
